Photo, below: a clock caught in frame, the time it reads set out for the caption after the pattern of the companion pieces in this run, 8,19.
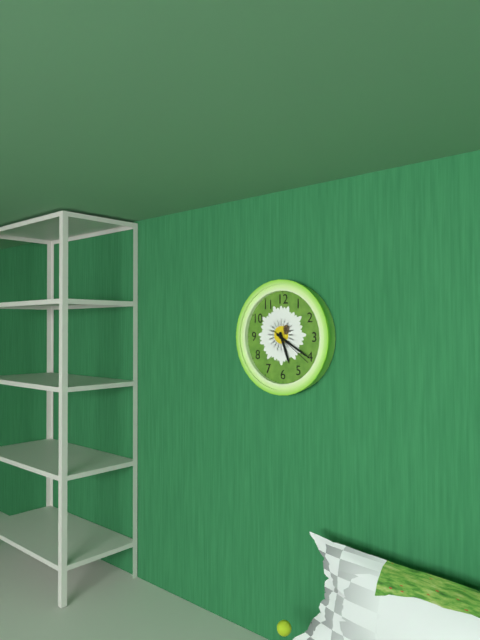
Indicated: 5,20
